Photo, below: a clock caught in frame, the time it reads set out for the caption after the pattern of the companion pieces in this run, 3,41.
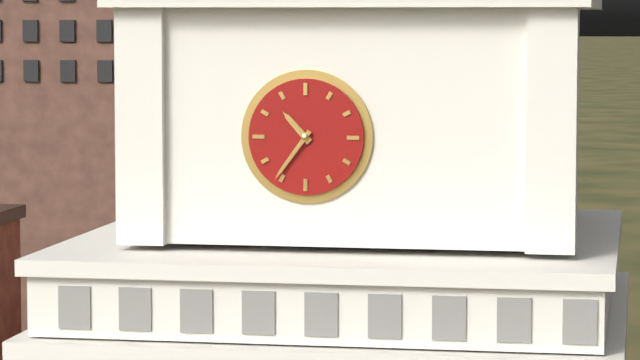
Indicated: 10,36
